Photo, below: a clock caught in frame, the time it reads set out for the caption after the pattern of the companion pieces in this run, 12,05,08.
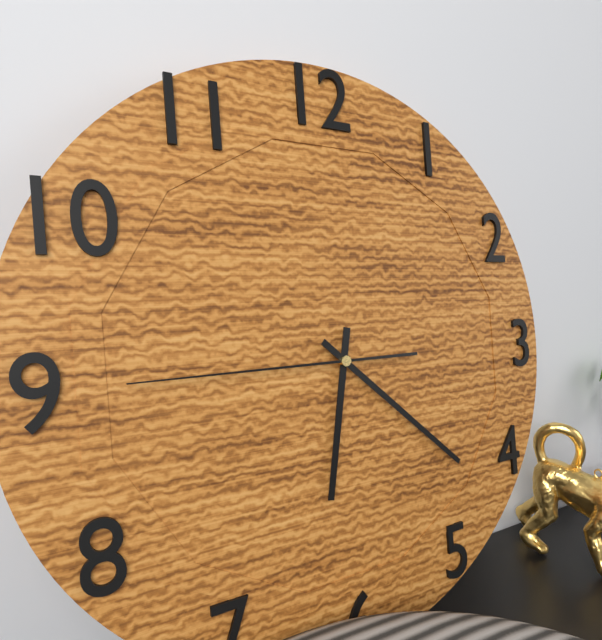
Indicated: 6,22,45
